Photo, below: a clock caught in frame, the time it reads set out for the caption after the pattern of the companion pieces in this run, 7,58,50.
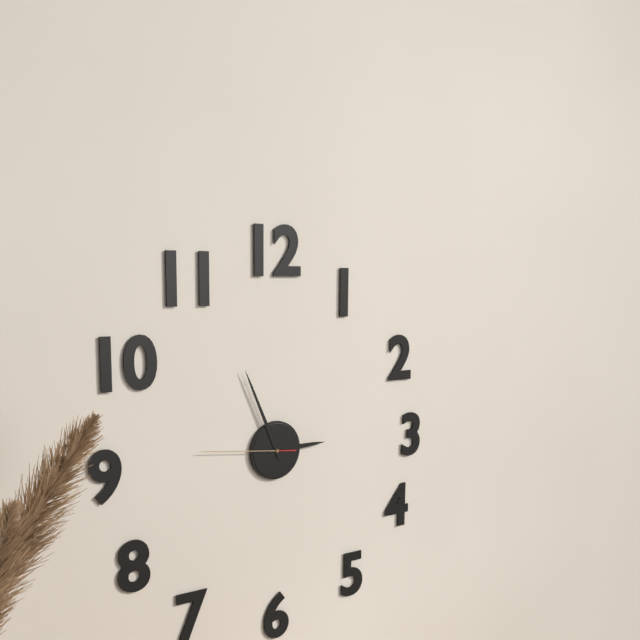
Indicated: 2,56,46
